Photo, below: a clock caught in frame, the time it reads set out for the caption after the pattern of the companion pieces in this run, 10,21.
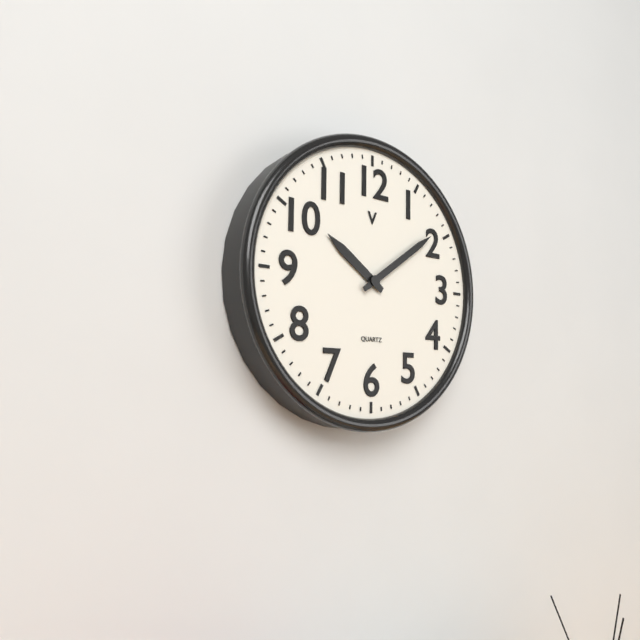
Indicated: 10,09
